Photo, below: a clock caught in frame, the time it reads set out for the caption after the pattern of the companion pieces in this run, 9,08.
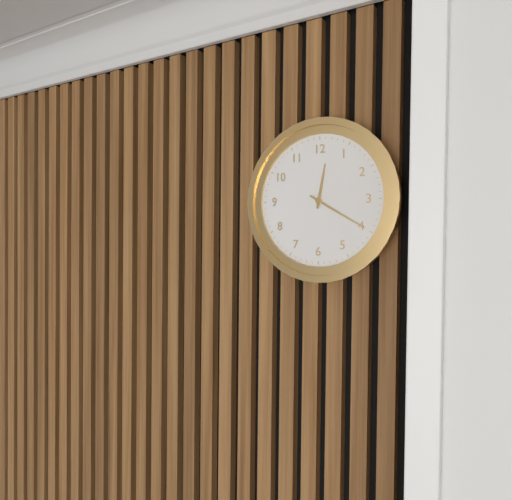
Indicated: 12,20
